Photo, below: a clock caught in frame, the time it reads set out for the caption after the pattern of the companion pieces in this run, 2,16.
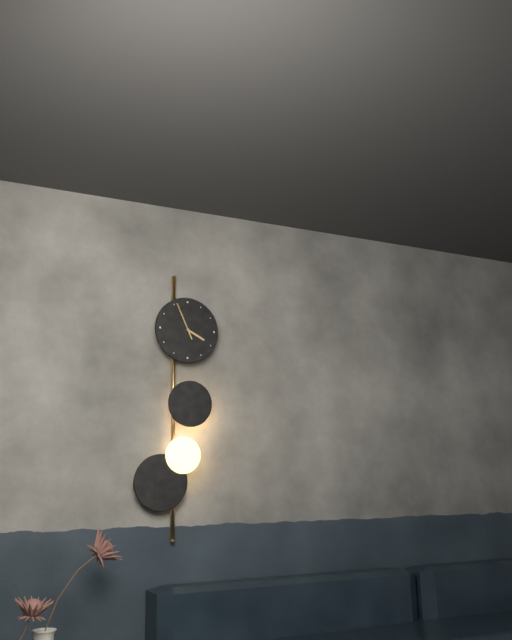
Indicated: 3,56
